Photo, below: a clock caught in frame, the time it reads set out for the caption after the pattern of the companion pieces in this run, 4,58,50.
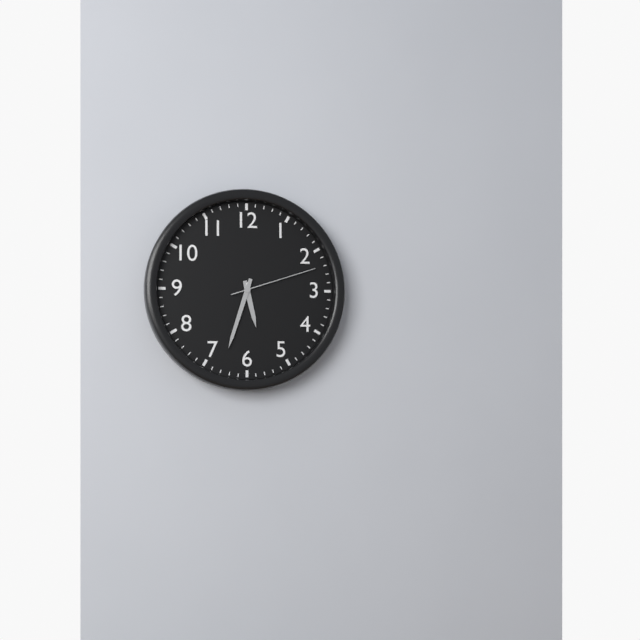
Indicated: 5,33,12
